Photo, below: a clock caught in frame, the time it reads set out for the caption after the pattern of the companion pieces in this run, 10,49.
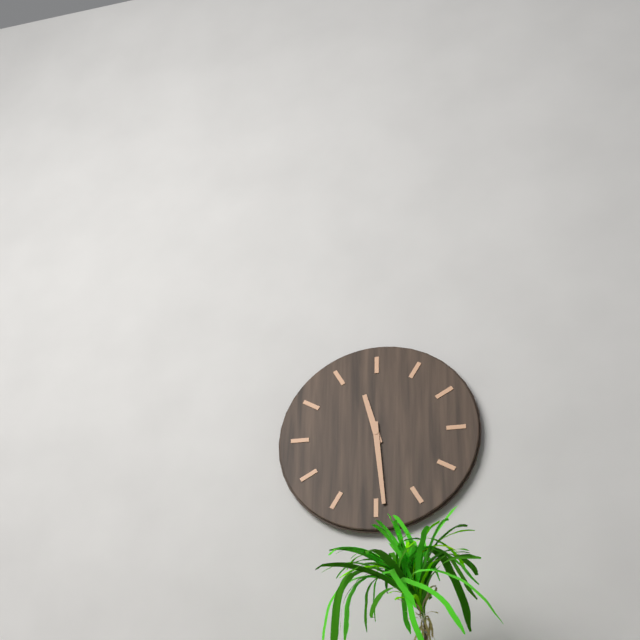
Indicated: 11,29
